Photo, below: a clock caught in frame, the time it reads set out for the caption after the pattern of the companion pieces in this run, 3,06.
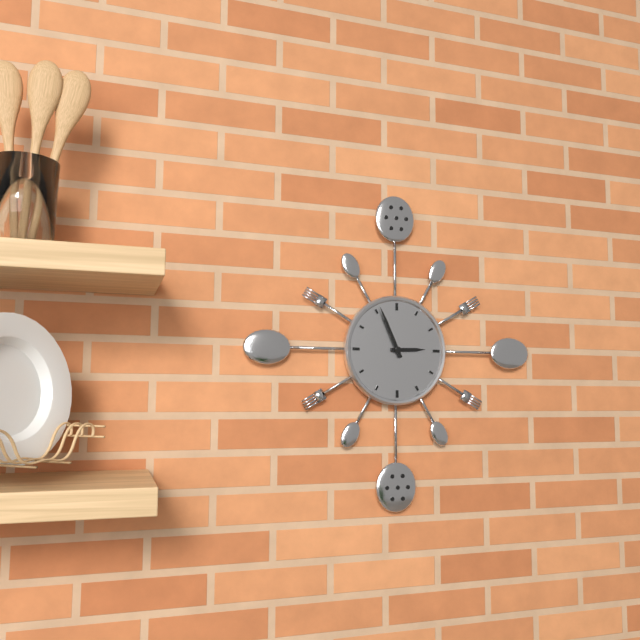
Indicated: 2,56
